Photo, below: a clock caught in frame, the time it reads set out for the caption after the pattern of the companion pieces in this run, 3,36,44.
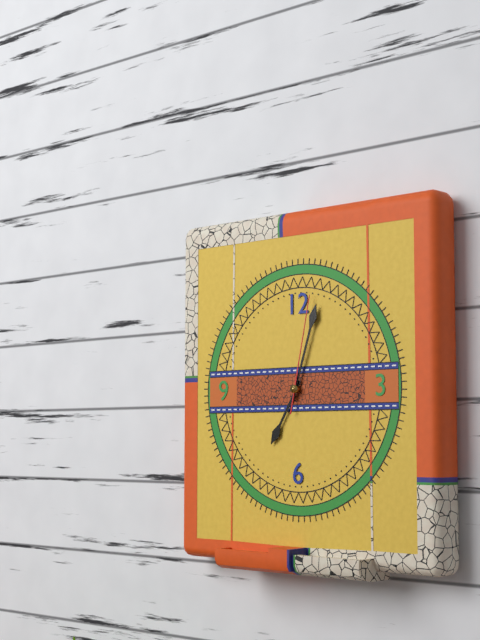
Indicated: 7,03,02
